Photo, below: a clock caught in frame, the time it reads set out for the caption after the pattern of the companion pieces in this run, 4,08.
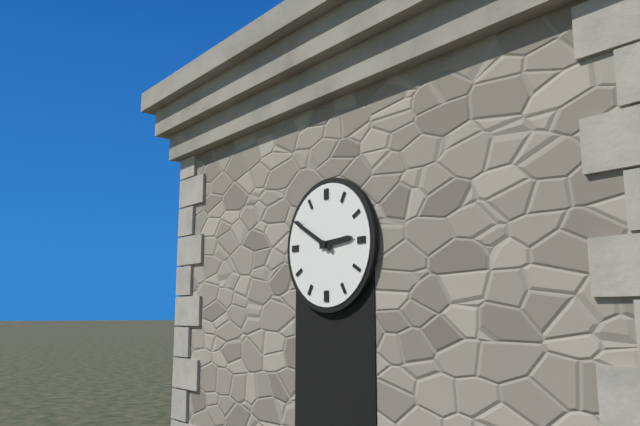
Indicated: 2,50
